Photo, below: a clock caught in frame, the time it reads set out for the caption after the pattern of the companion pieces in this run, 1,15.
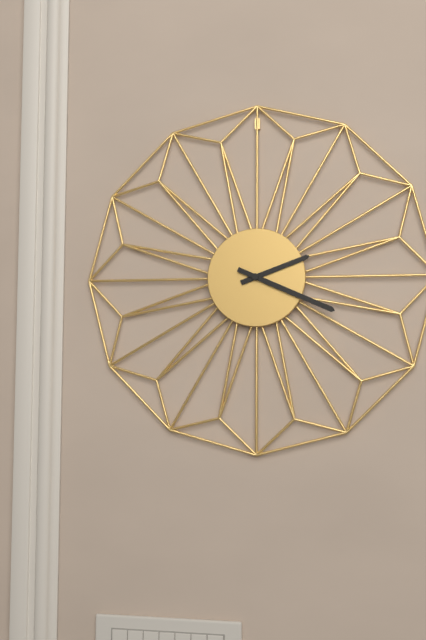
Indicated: 2,19
